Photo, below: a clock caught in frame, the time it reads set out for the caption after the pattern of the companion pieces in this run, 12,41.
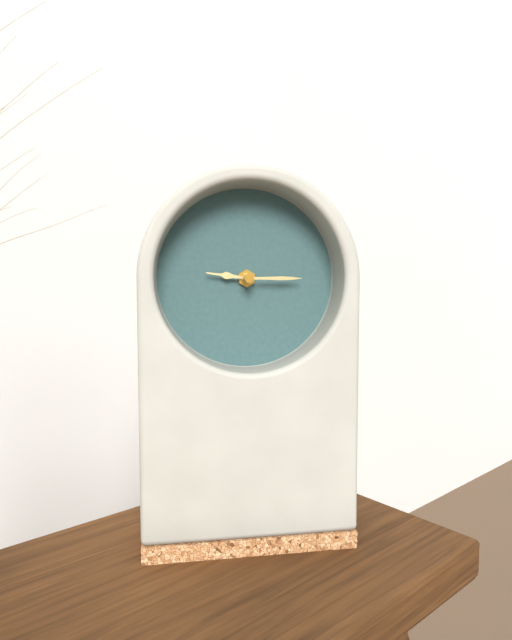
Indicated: 9,15
